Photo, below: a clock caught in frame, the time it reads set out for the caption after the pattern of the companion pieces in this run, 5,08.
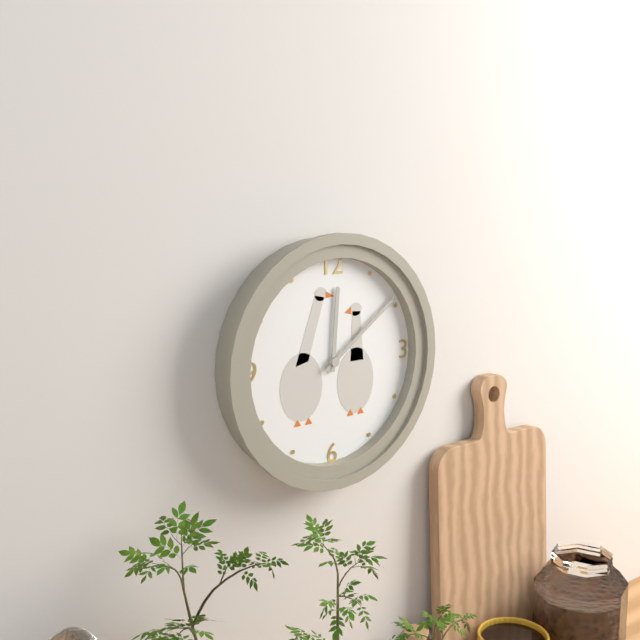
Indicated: 12,09
